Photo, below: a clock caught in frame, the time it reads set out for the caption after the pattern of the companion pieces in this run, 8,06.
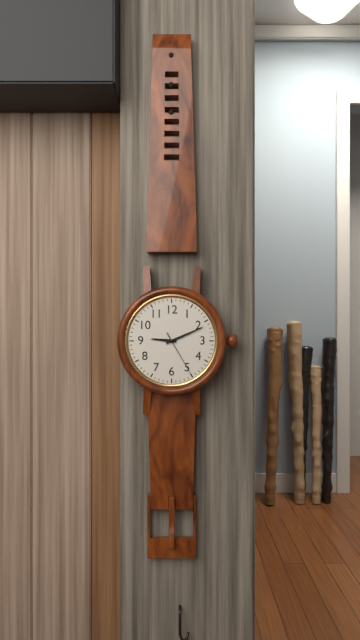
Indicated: 9,11
